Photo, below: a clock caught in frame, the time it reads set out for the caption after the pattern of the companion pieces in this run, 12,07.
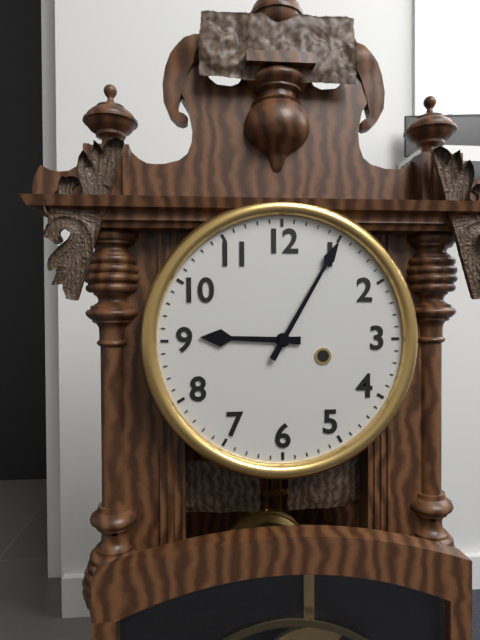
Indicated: 9,05
